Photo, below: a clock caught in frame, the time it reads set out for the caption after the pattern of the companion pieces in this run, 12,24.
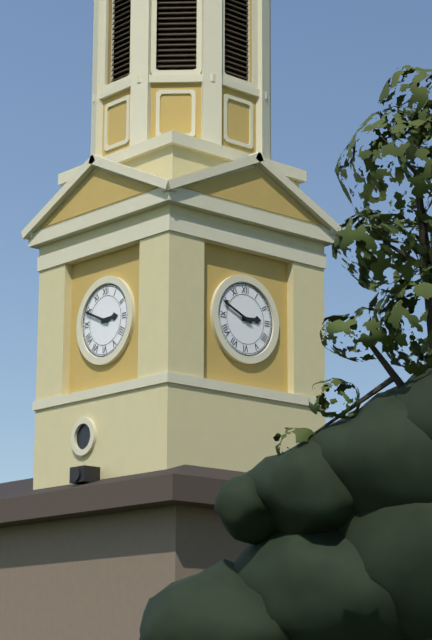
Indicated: 2,49
